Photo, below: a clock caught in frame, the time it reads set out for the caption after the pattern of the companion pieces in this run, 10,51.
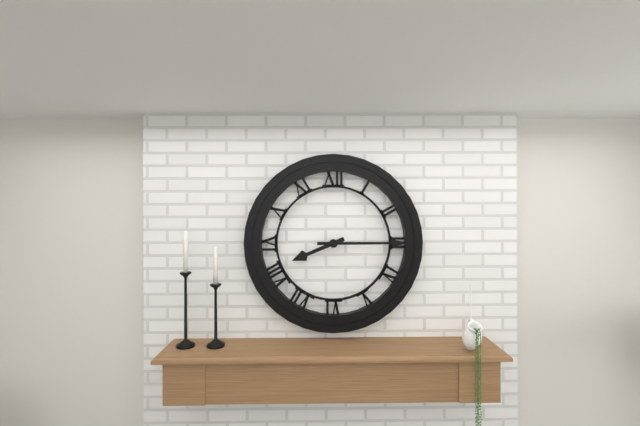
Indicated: 8,15
